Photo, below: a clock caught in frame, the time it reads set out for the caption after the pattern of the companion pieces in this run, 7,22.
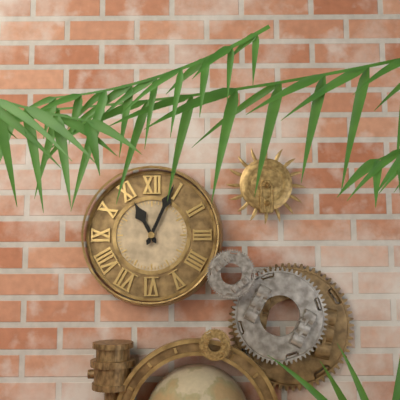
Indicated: 11,04
